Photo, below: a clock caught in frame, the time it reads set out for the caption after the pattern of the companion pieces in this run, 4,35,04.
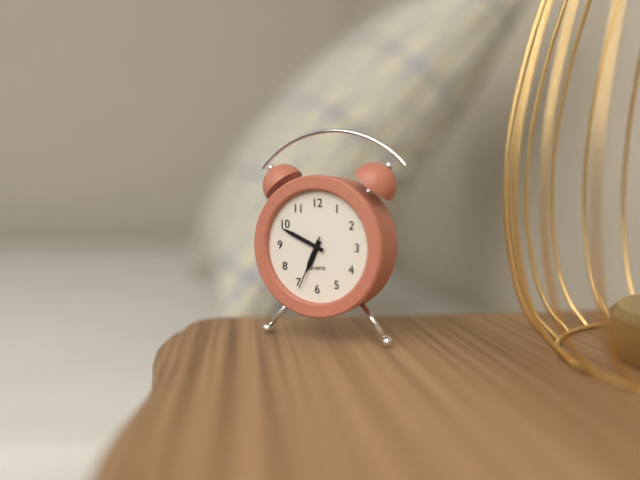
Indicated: 6,49,34
